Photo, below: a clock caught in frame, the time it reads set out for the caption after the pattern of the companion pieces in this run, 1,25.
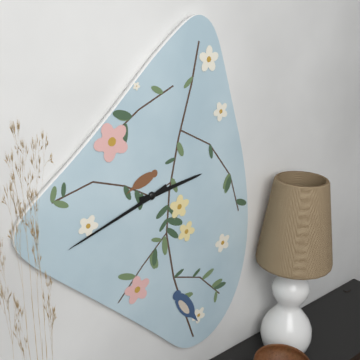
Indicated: 2,42
